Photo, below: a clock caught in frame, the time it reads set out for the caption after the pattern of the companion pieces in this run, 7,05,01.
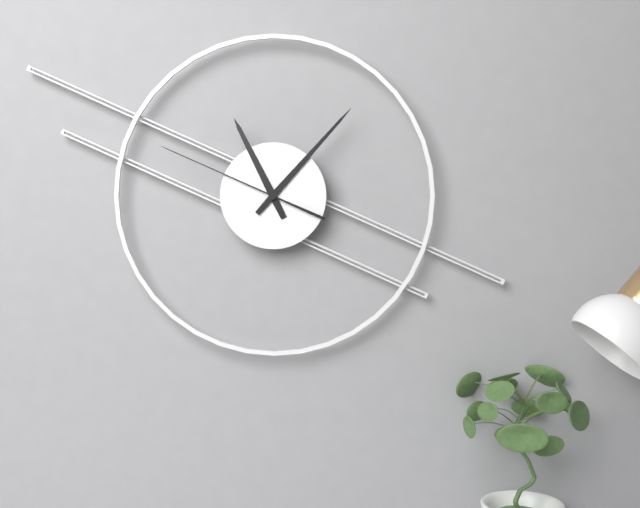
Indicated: 11,07,49
